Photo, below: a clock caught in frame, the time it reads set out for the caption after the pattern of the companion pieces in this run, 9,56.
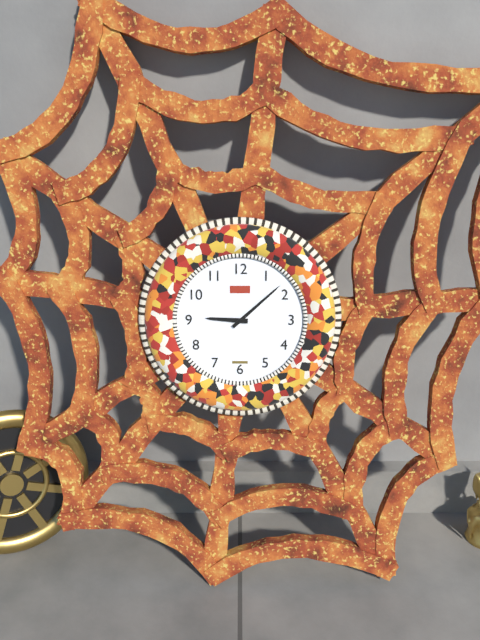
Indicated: 9,08
